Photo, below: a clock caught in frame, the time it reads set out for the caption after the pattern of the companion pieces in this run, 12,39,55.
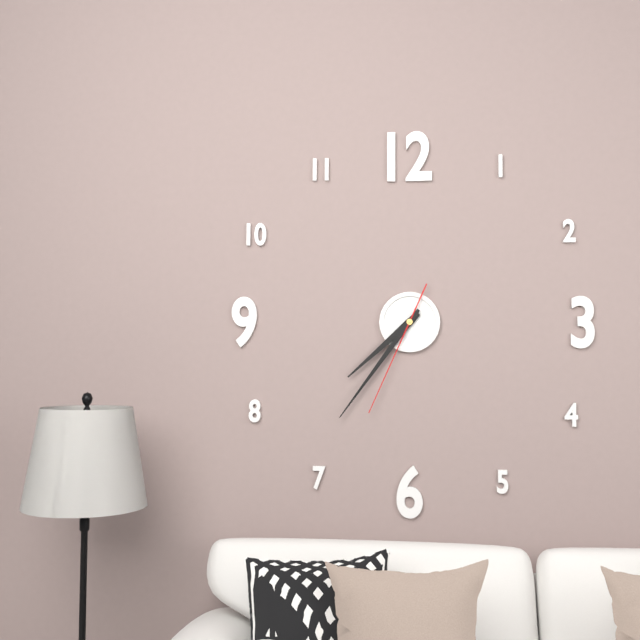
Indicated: 7,36,34
